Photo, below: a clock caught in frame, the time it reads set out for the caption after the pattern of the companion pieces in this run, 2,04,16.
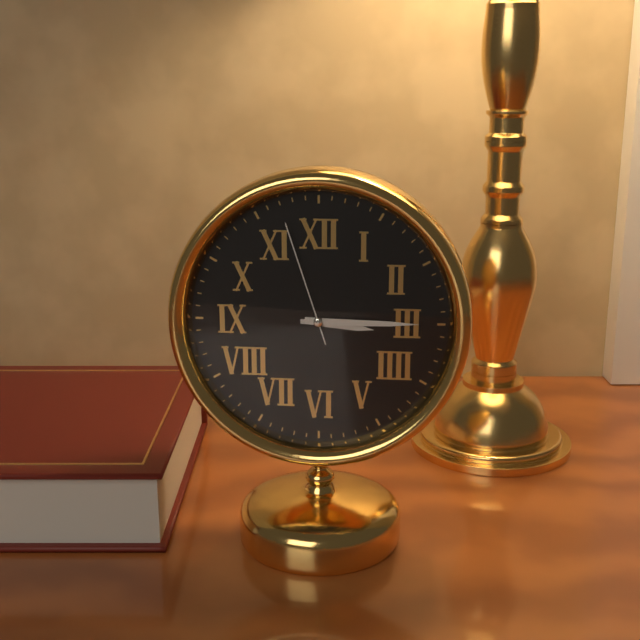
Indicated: 3,15,57
